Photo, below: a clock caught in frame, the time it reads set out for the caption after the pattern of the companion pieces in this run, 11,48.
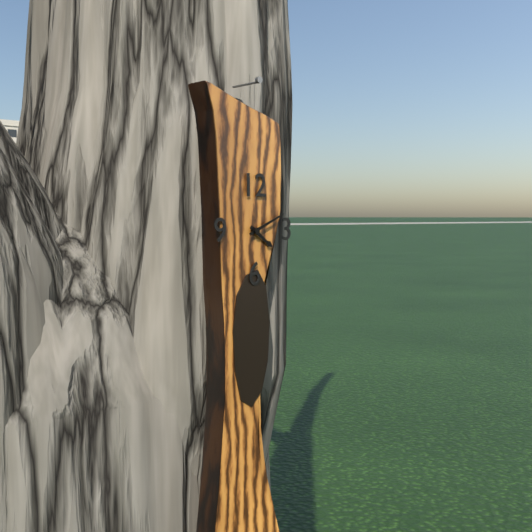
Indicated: 4,11
